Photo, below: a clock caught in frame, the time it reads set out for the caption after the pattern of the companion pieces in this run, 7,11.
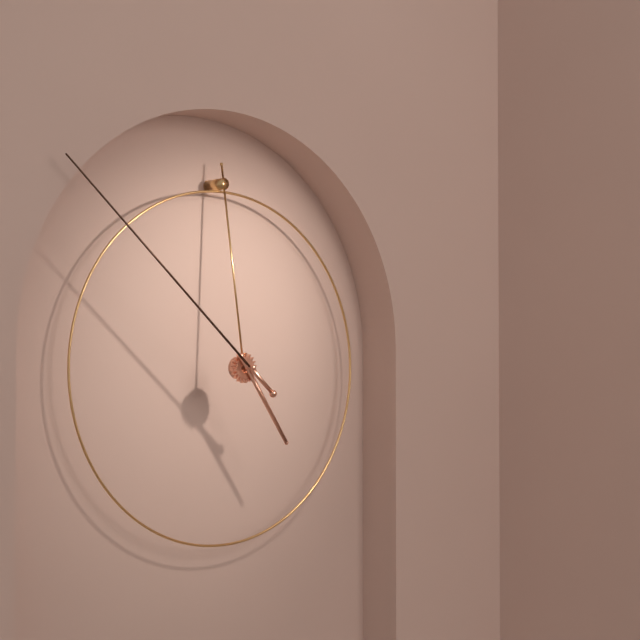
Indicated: 4,52
